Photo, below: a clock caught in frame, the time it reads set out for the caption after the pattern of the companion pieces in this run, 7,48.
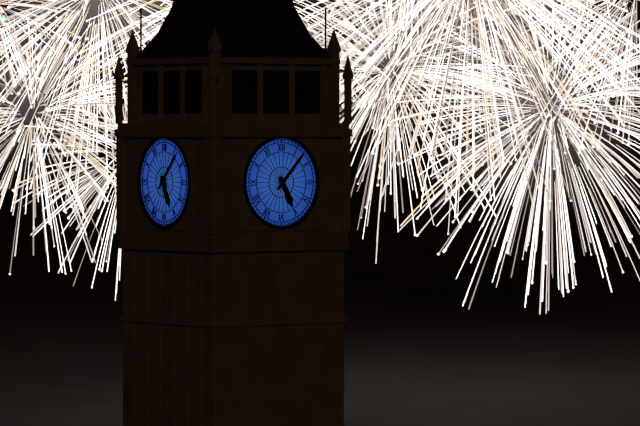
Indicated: 5,07
